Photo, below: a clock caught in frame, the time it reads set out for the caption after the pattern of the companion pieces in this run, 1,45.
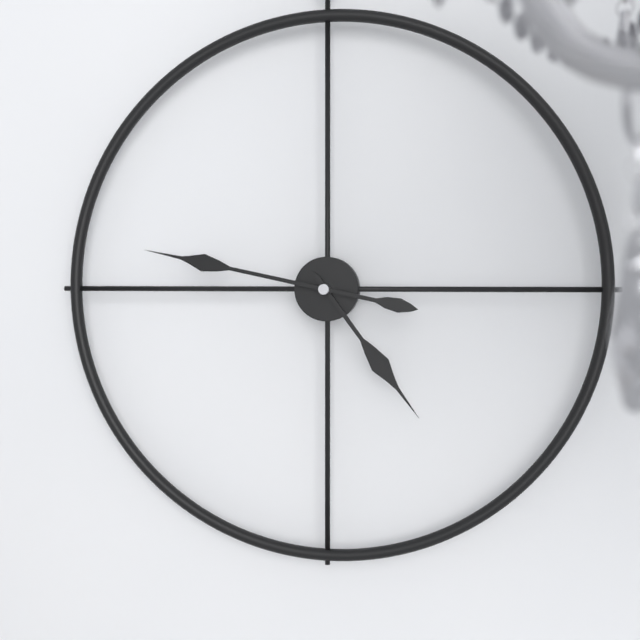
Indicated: 4,47
